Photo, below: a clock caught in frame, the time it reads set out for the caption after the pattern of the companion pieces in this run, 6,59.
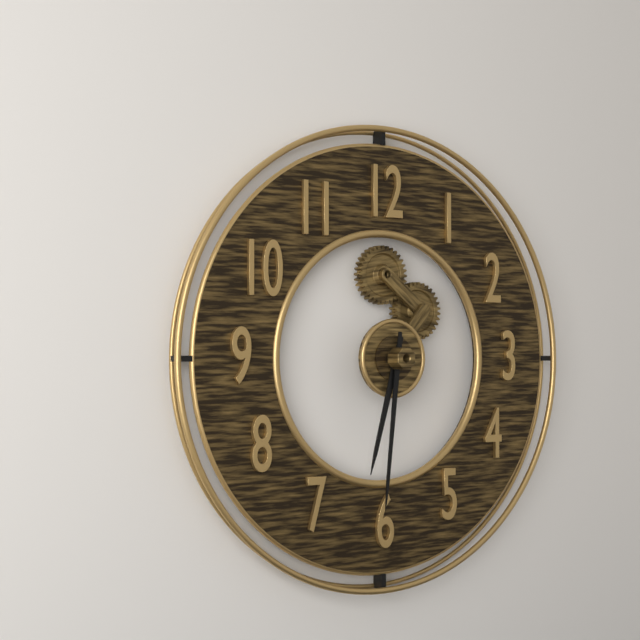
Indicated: 6,31
